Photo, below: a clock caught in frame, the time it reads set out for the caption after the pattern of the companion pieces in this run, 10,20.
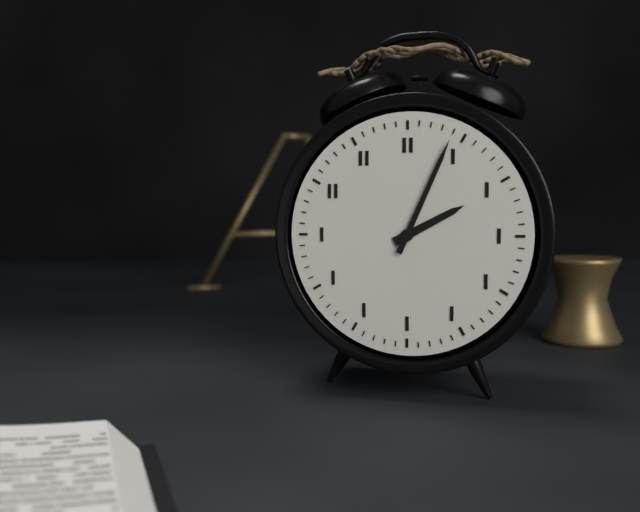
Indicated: 2,04
